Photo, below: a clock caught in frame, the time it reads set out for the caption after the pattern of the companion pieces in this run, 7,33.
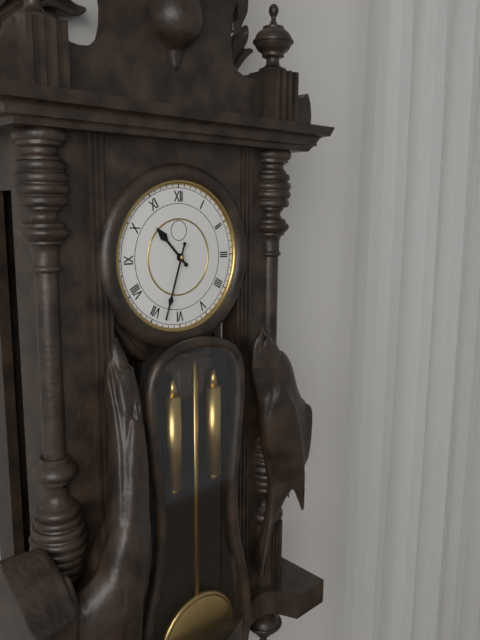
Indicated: 10,33
